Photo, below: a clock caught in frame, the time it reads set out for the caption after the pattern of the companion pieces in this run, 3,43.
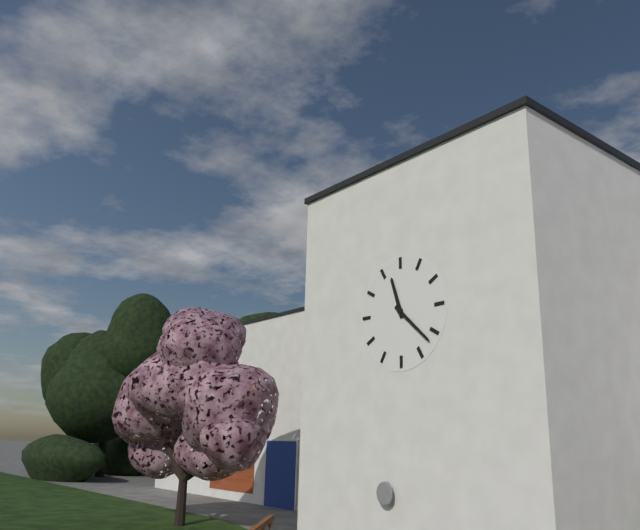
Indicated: 11,22
